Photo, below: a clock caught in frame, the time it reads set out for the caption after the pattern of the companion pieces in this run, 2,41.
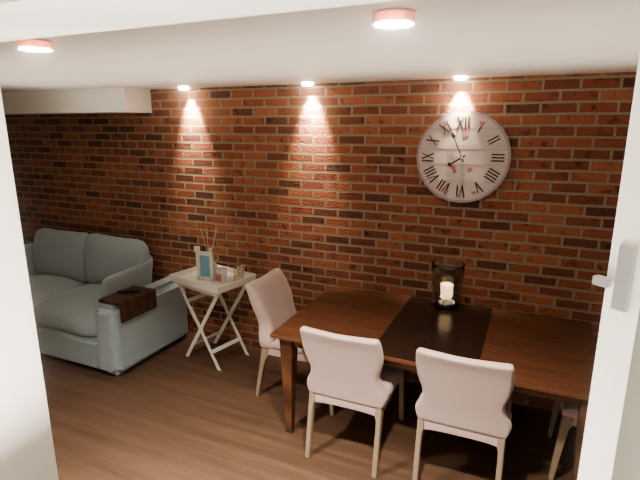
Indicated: 7,56
